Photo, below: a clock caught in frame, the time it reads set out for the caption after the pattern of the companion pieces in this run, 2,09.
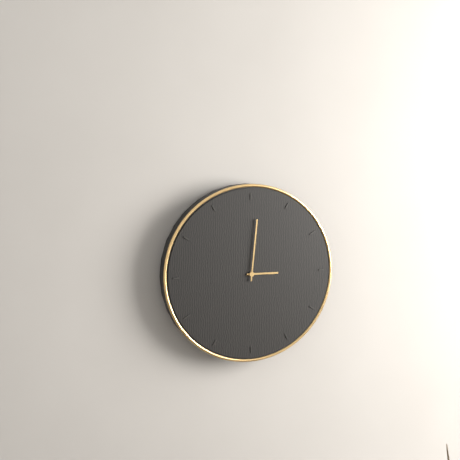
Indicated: 3,01
